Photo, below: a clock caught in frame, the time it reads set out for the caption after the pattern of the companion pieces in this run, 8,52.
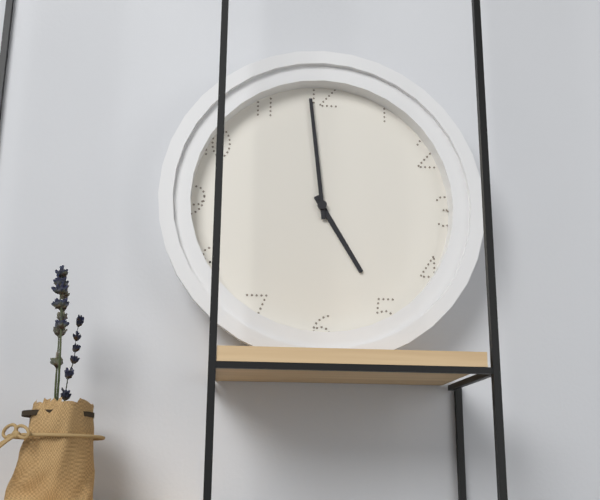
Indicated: 4,59
